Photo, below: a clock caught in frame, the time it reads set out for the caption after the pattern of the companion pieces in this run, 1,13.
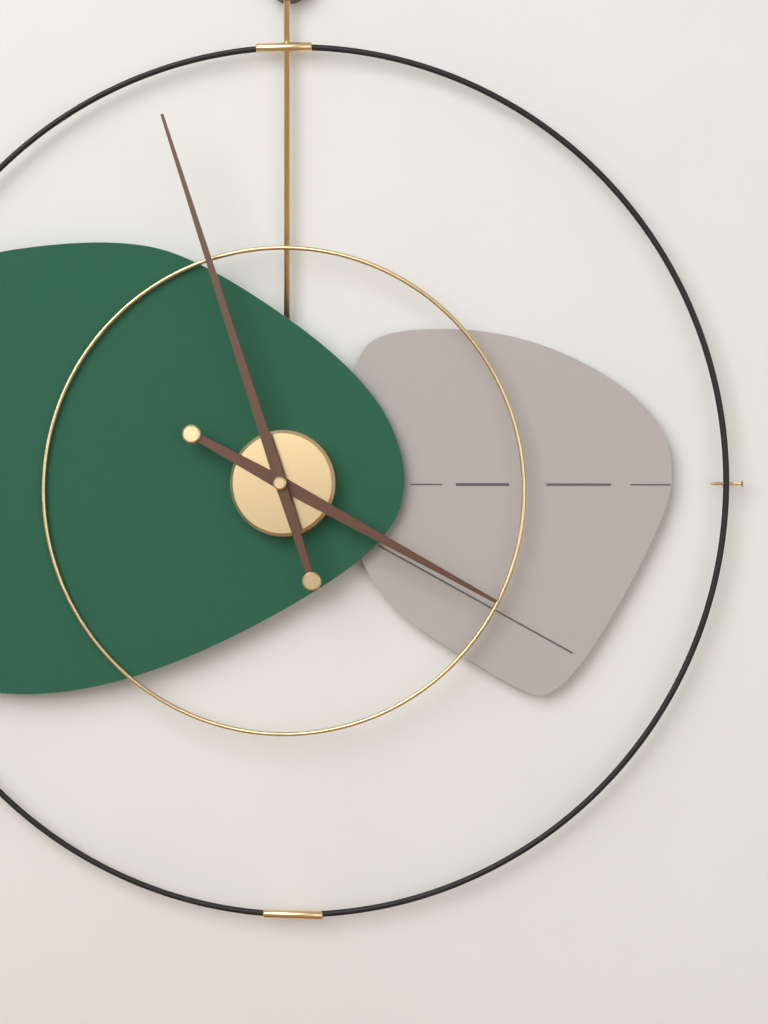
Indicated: 3,57
